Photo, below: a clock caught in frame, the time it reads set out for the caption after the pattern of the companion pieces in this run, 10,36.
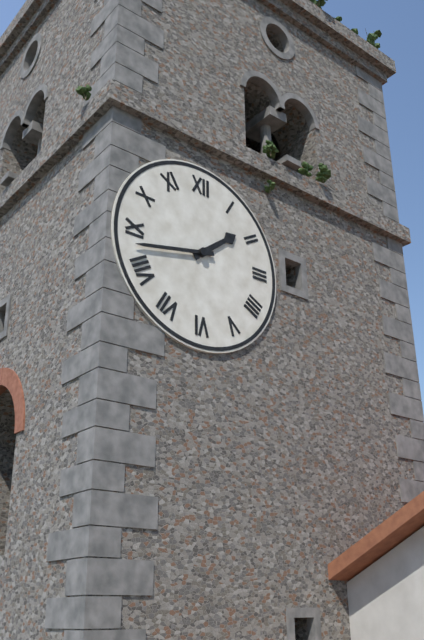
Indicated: 1,43
